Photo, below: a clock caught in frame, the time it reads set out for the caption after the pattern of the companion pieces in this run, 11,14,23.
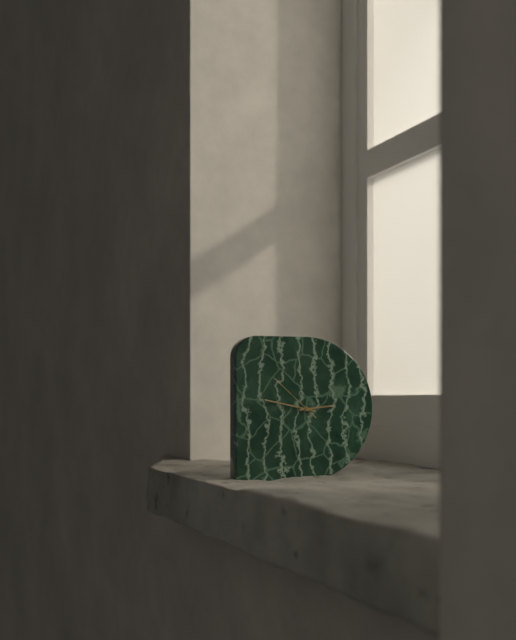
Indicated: 2,47,52
